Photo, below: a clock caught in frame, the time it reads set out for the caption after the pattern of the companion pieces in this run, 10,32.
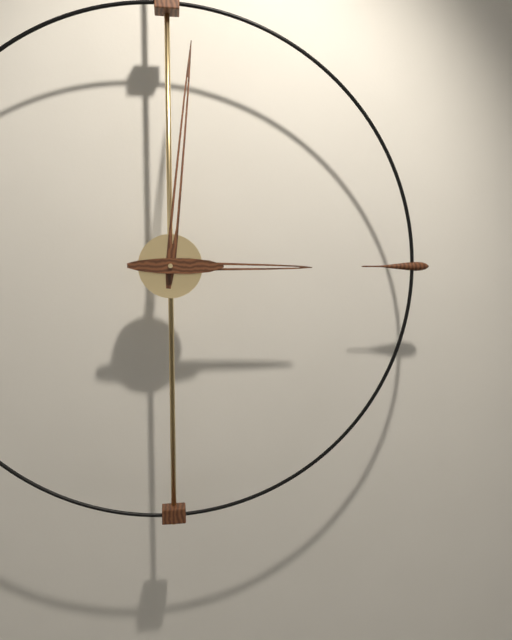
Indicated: 3,01
